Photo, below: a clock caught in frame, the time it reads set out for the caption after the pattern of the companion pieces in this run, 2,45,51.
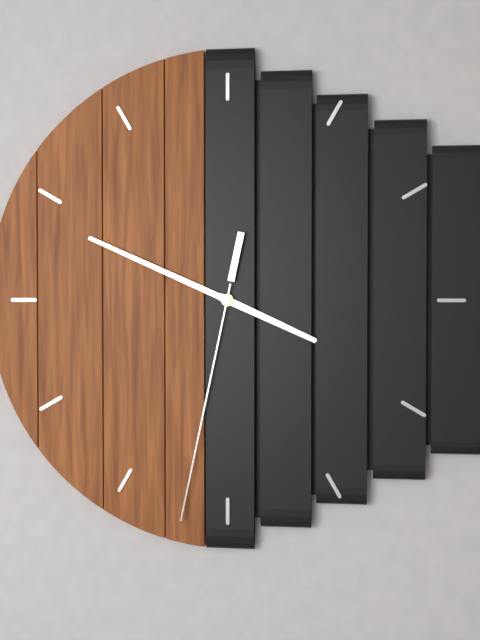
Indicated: 3,49,32
